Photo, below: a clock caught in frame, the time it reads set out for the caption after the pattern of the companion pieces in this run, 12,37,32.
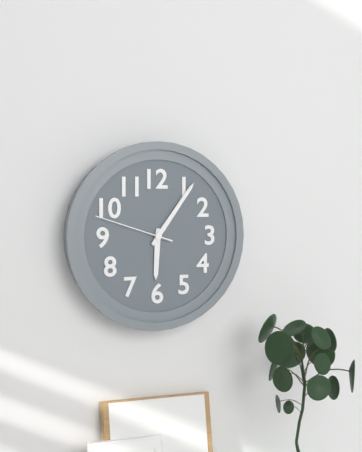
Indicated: 6,06,48
